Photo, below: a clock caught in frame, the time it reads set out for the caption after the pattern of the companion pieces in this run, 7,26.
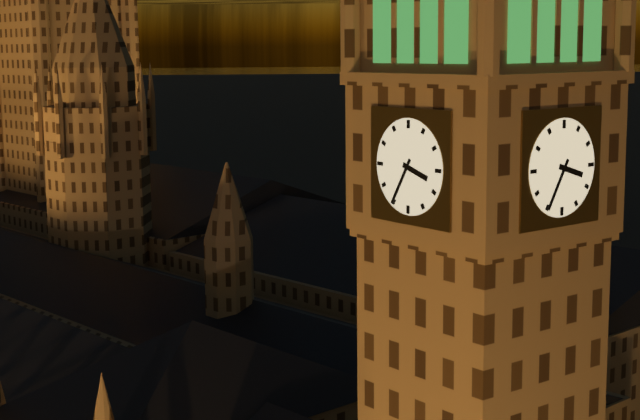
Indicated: 3,35
